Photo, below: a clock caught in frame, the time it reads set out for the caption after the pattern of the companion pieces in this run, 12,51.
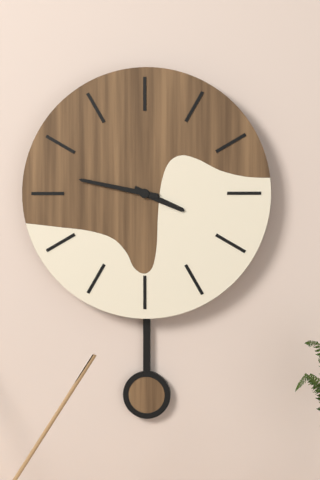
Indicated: 3,47
